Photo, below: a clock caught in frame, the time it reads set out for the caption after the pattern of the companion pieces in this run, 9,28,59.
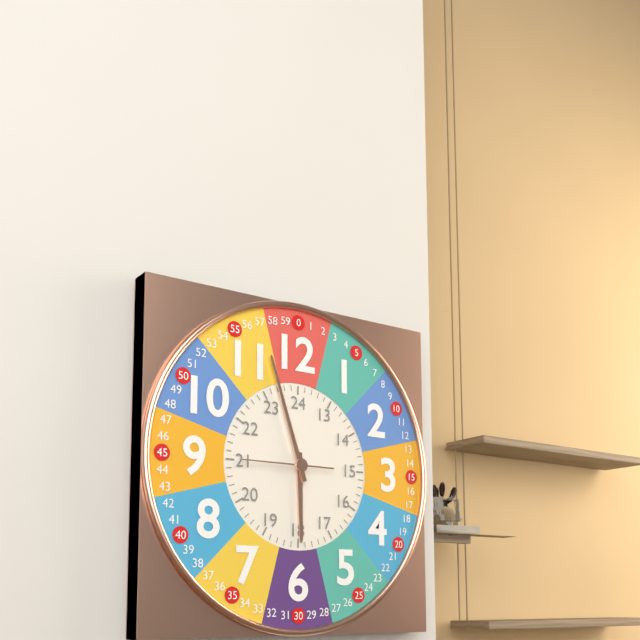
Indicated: 5,57,45
